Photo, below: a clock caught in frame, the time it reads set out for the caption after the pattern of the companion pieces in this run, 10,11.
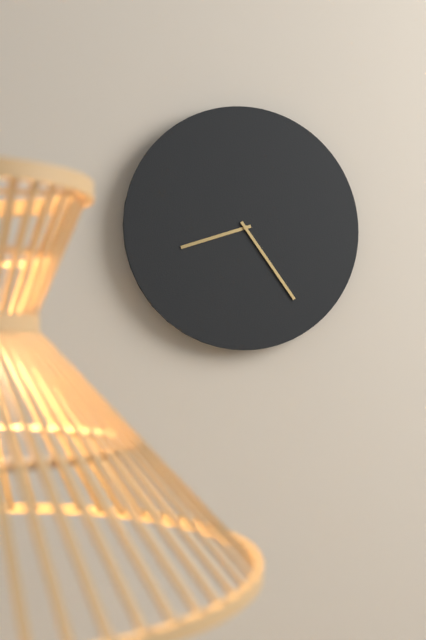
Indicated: 8,24
